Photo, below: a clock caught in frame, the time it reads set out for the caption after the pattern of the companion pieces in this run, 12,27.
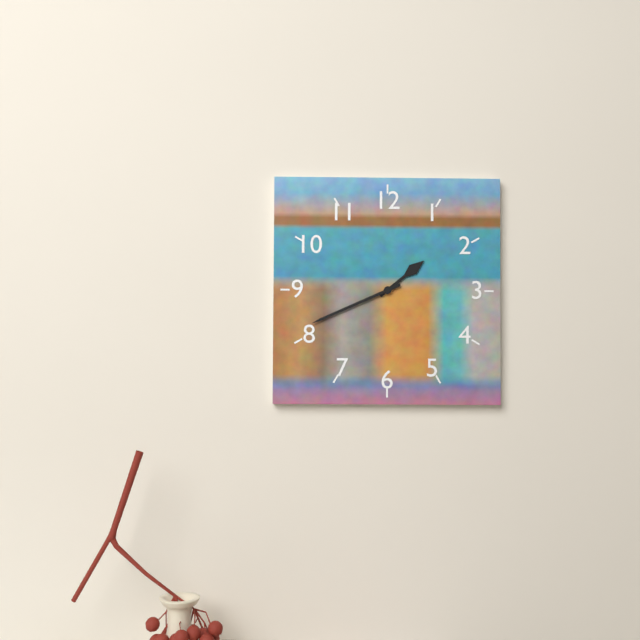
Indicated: 1,41
